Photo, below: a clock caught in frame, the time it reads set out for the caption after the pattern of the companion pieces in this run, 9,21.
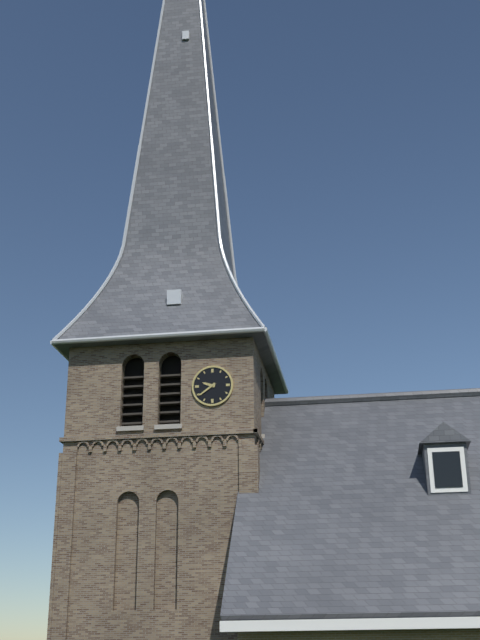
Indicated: 9,39
